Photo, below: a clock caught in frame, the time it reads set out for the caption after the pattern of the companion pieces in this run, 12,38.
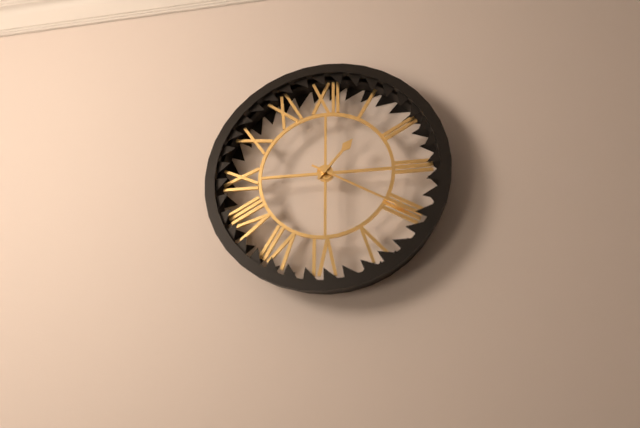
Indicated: 1,20
